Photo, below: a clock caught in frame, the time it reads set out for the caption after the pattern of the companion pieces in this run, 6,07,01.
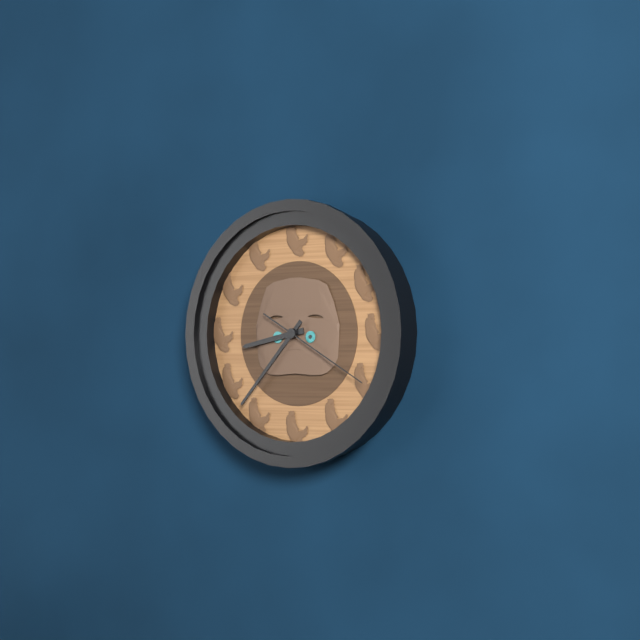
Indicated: 8,37,20
